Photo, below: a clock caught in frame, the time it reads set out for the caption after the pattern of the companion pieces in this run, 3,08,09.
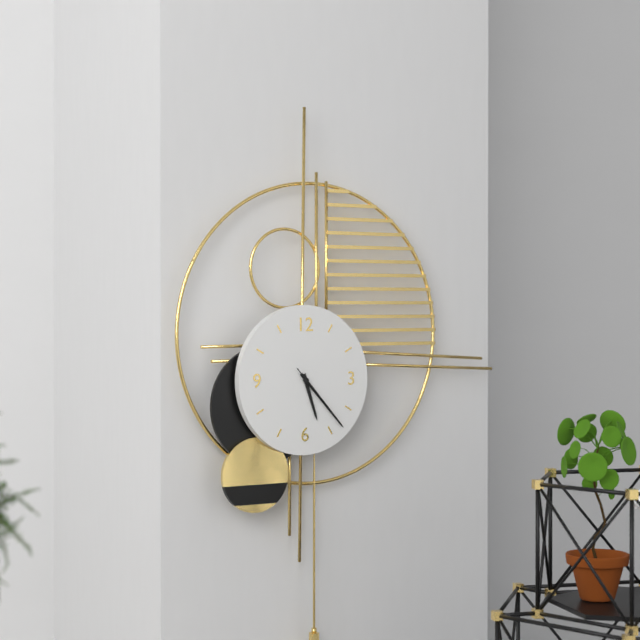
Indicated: 5,23,23
